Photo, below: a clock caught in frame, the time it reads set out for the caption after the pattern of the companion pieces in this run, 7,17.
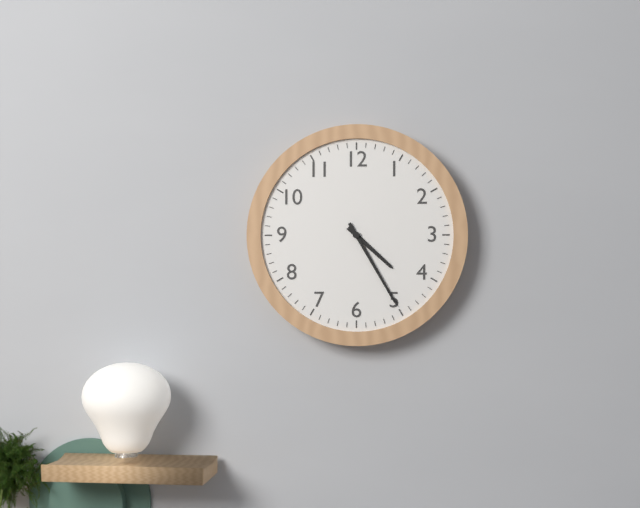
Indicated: 4,25
